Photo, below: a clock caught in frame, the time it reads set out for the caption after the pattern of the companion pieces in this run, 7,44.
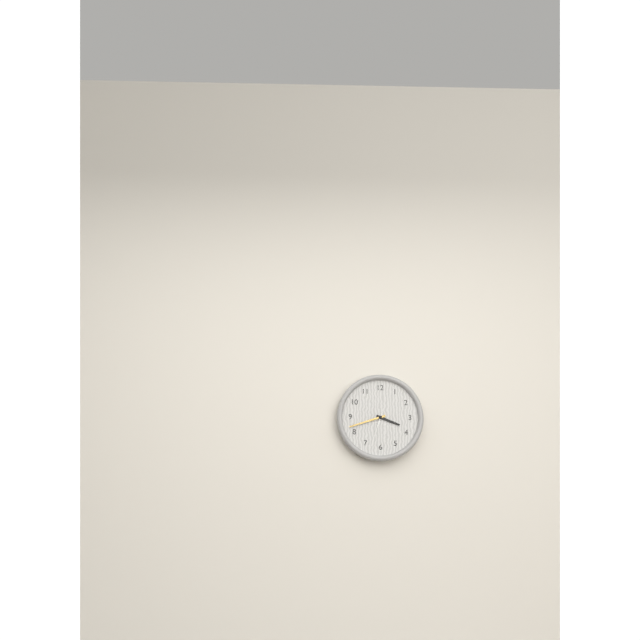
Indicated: 3,42
